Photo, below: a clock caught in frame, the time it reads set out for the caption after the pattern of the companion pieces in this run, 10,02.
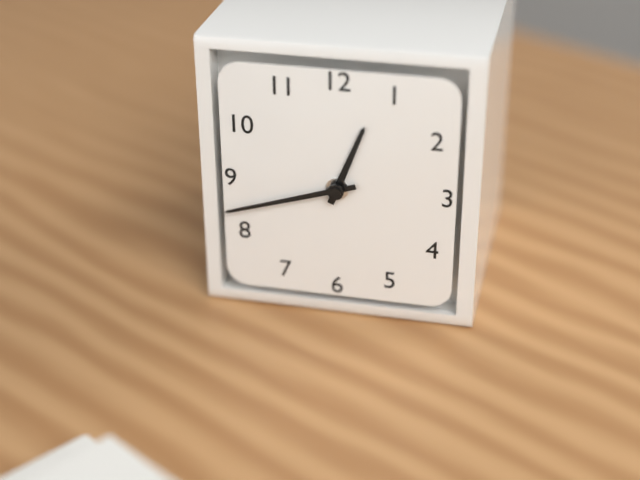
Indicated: 12,42
